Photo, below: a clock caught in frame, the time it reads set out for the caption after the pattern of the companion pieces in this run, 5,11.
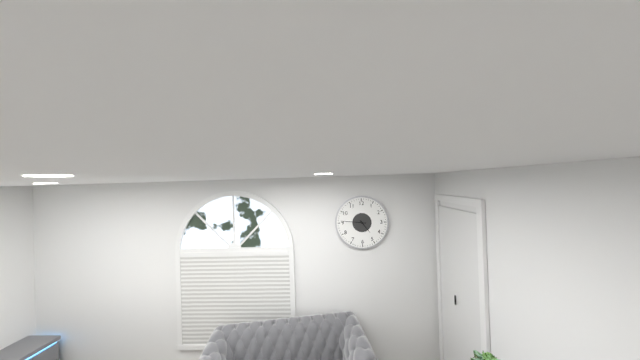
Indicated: 4,46
